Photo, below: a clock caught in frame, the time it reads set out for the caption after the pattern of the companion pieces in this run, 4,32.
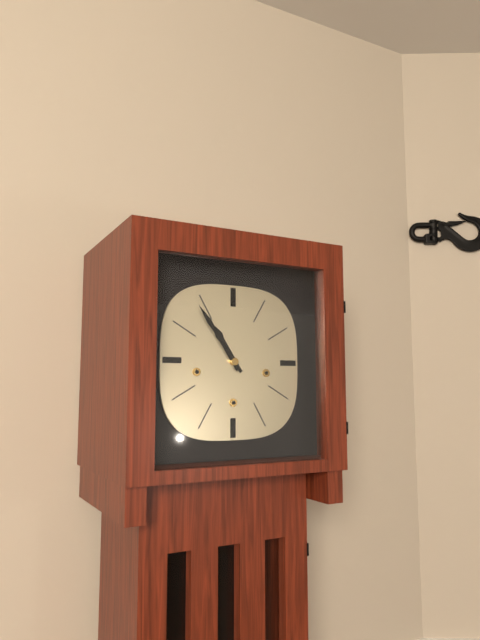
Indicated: 10,54
